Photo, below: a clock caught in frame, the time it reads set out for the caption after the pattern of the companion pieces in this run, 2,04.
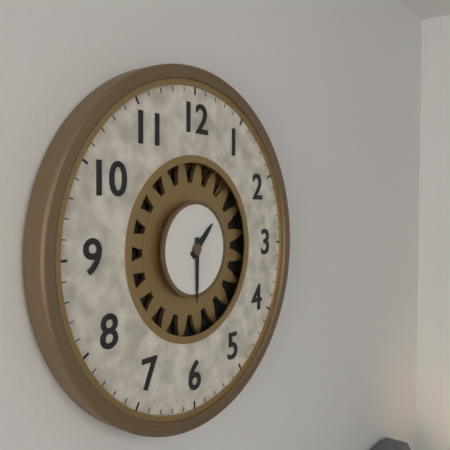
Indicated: 1,30
